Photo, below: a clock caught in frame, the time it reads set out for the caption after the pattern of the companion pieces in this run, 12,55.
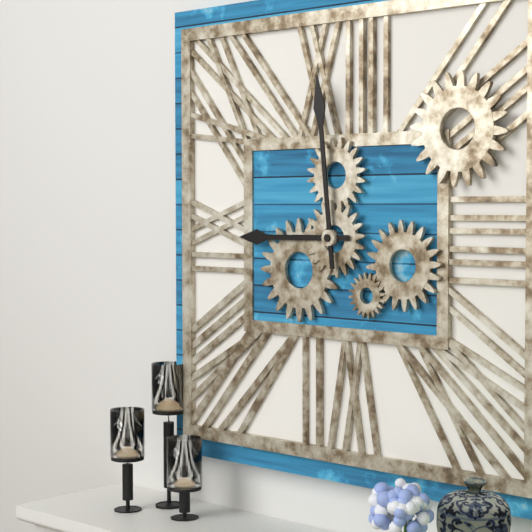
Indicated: 8,59
